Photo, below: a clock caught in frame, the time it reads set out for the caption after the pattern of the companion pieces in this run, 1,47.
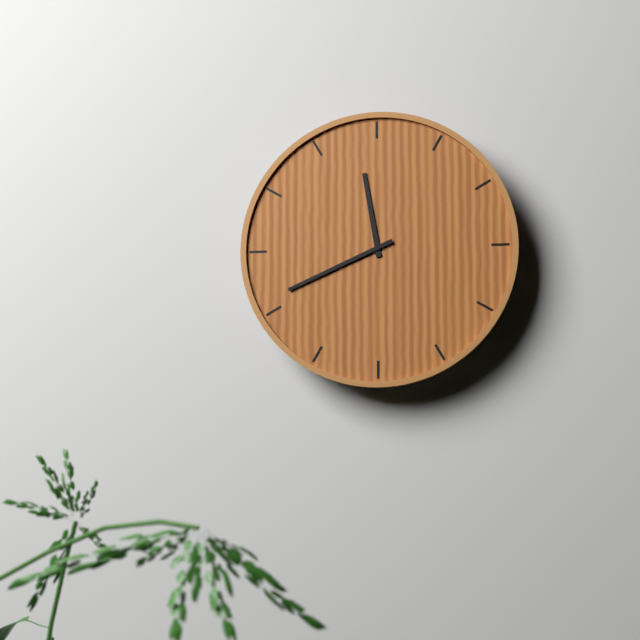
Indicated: 11,41
